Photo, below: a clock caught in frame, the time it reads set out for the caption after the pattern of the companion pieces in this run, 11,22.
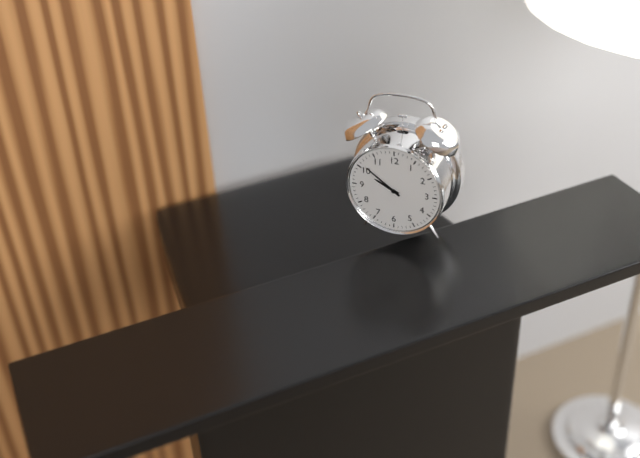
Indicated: 9,51
